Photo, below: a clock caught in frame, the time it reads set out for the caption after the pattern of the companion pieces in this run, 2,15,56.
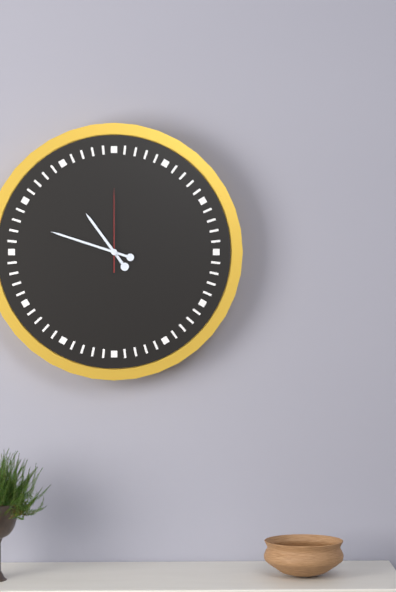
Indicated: 10,48,00
